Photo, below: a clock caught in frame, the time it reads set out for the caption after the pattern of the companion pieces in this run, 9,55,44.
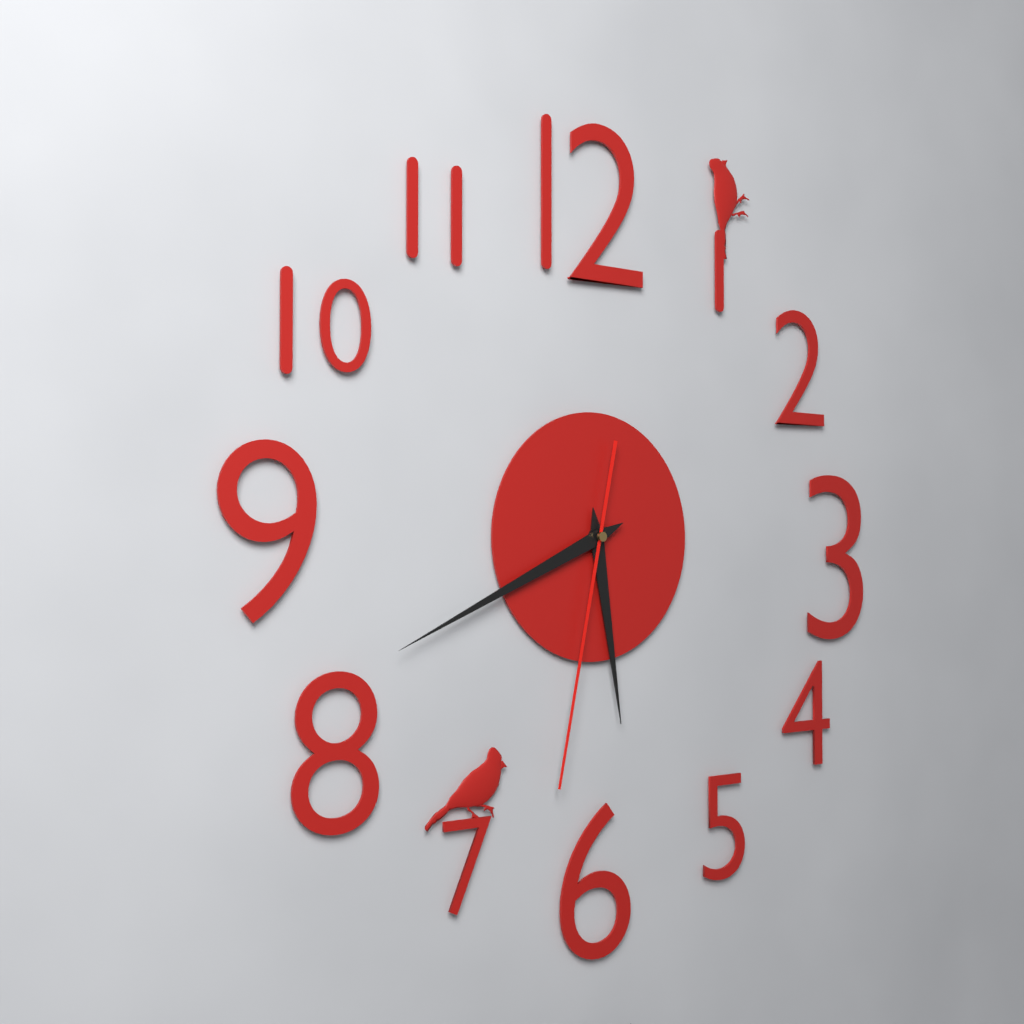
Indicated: 5,41,32
